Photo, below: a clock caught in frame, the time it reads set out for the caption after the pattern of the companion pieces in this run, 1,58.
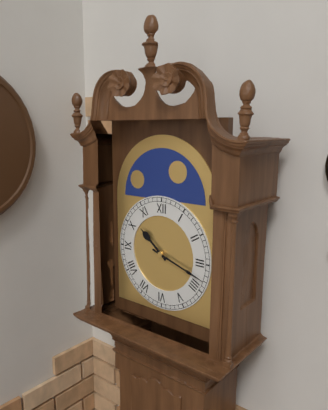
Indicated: 10,18
